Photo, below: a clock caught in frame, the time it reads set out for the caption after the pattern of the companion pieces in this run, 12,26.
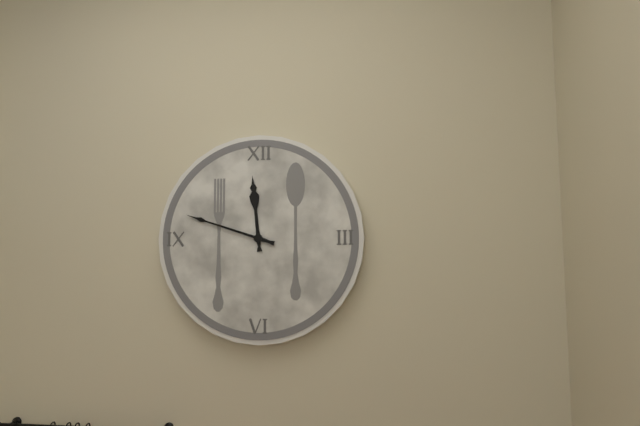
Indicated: 11,48
